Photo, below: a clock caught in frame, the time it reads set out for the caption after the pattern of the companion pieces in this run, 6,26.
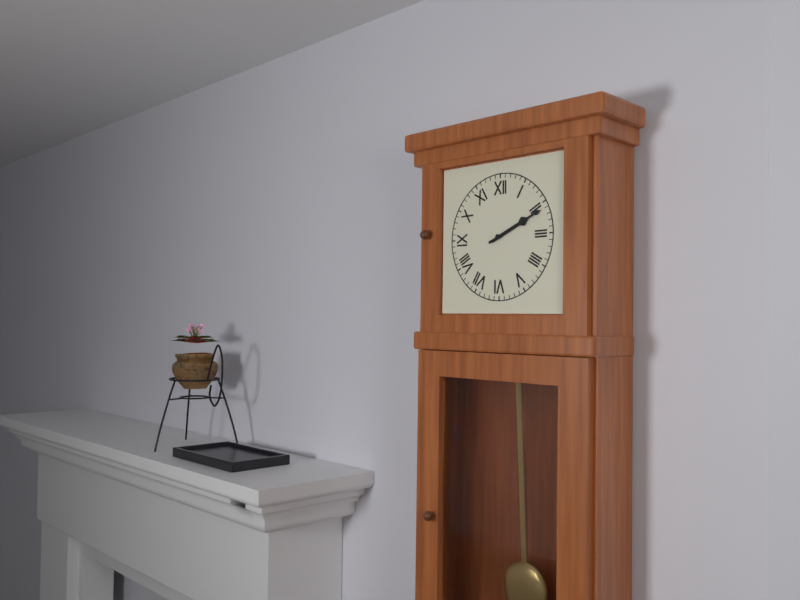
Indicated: 2,11
